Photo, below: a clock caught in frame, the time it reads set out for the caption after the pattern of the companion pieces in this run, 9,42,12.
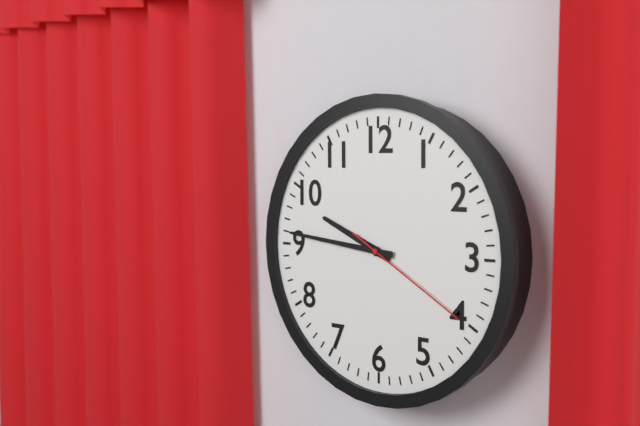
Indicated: 9,46,20
